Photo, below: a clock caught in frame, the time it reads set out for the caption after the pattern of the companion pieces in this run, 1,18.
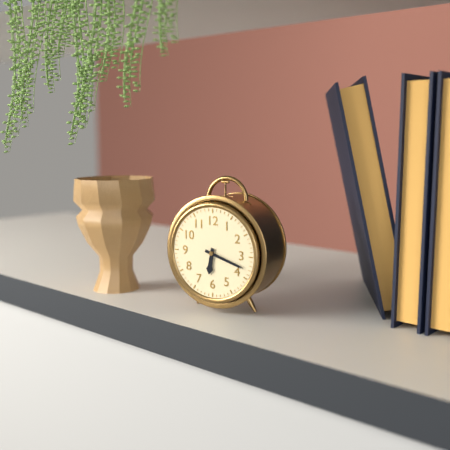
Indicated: 6,18
